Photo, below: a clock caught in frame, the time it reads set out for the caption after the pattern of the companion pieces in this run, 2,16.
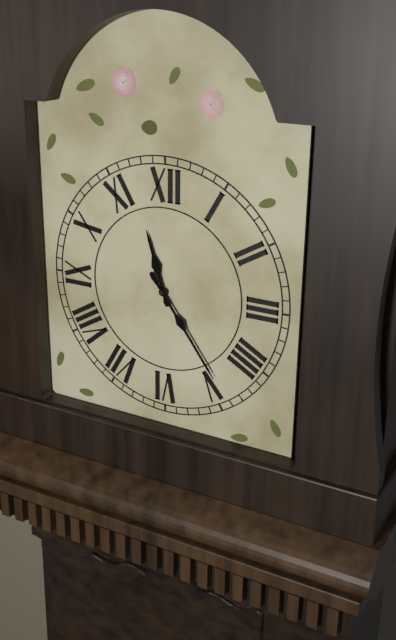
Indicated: 11,24
